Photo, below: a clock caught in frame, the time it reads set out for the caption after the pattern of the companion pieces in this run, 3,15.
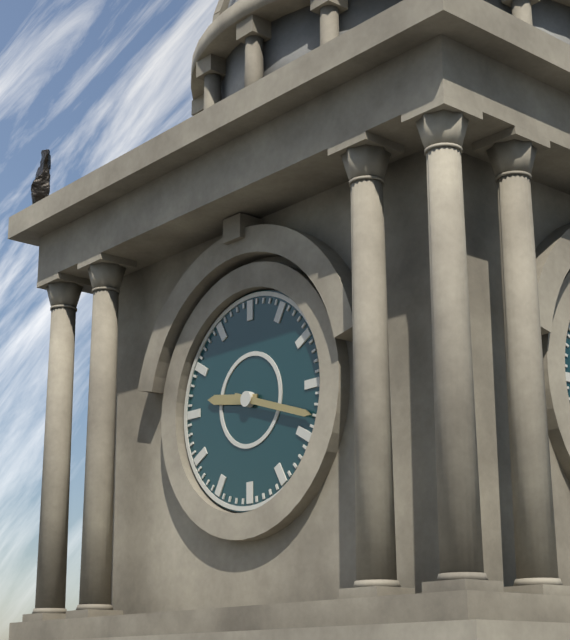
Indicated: 9,18
